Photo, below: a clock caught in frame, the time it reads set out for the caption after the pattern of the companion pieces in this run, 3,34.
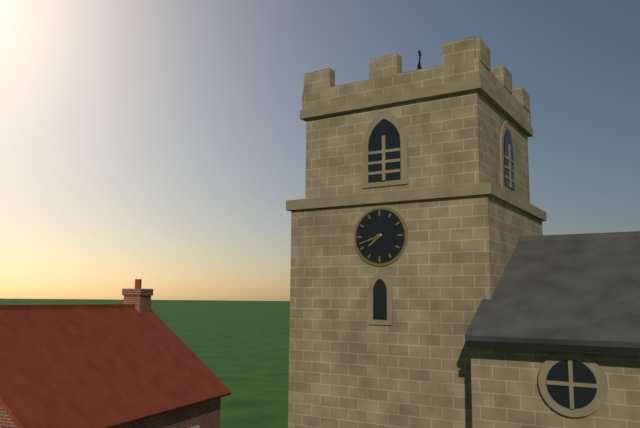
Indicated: 7,42
